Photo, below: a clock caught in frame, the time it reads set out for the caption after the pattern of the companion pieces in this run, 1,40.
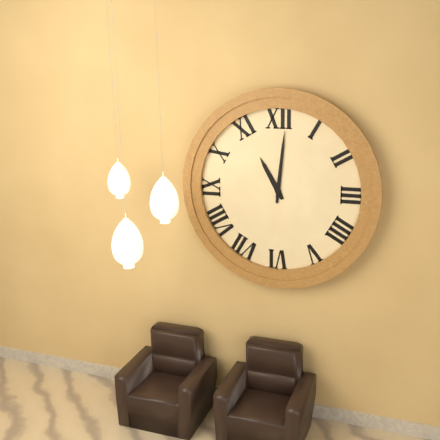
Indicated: 11,01
